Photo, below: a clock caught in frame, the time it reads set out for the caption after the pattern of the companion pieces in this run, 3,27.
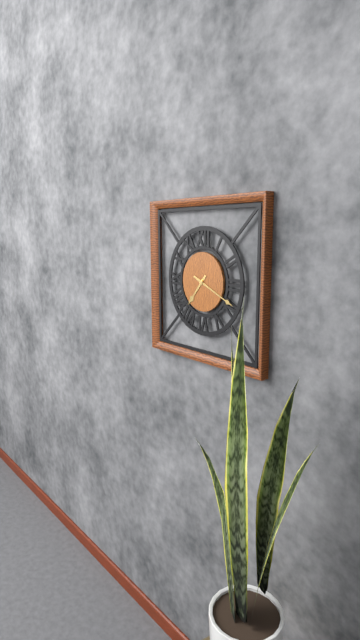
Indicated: 7,19
